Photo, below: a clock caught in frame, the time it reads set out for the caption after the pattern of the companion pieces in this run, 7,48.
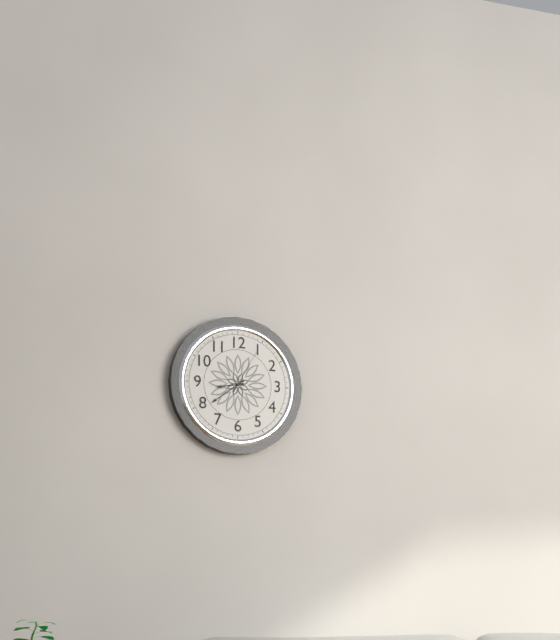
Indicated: 8,39
